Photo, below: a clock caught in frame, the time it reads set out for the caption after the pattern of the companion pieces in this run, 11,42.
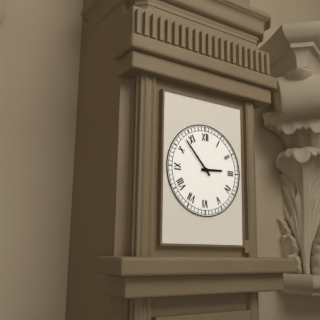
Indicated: 2,53
